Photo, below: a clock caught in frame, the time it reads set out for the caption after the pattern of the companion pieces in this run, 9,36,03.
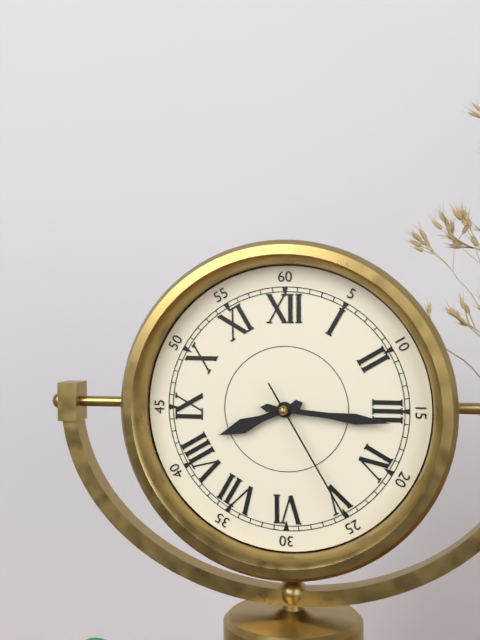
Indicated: 8,16,25
